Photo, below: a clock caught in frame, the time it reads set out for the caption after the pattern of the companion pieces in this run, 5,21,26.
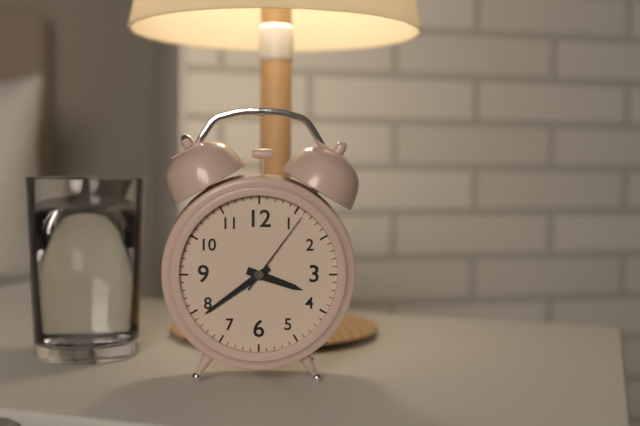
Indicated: 3,39,06
